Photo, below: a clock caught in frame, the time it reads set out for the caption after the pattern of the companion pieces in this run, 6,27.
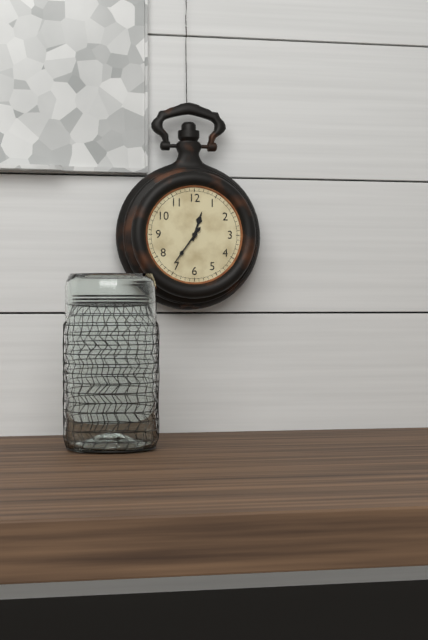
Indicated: 12,36
